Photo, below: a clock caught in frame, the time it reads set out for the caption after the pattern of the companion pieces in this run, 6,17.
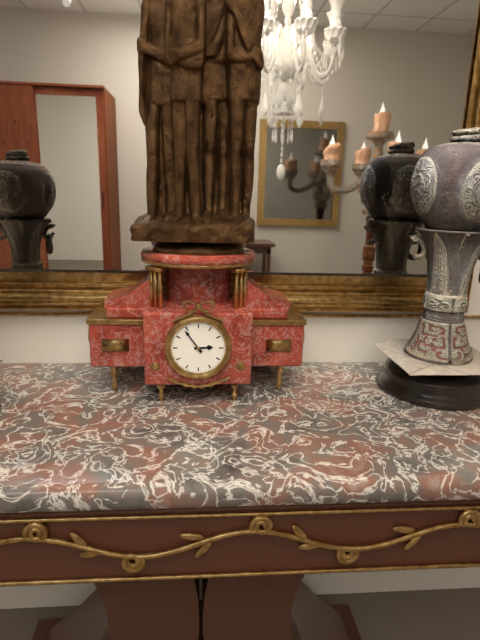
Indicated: 2,54
